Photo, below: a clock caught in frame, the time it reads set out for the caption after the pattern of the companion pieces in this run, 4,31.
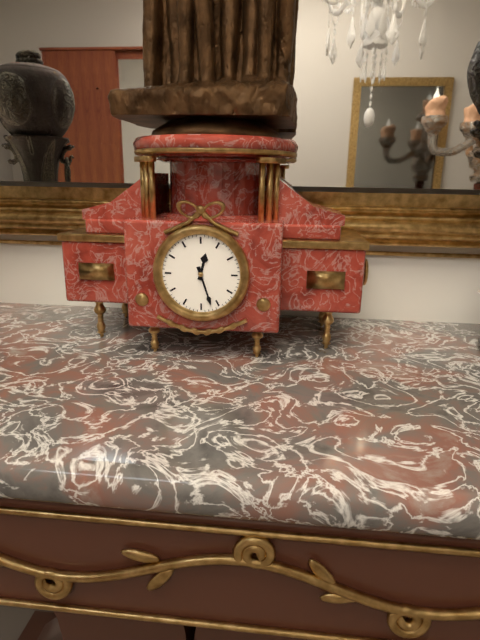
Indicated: 12,27
